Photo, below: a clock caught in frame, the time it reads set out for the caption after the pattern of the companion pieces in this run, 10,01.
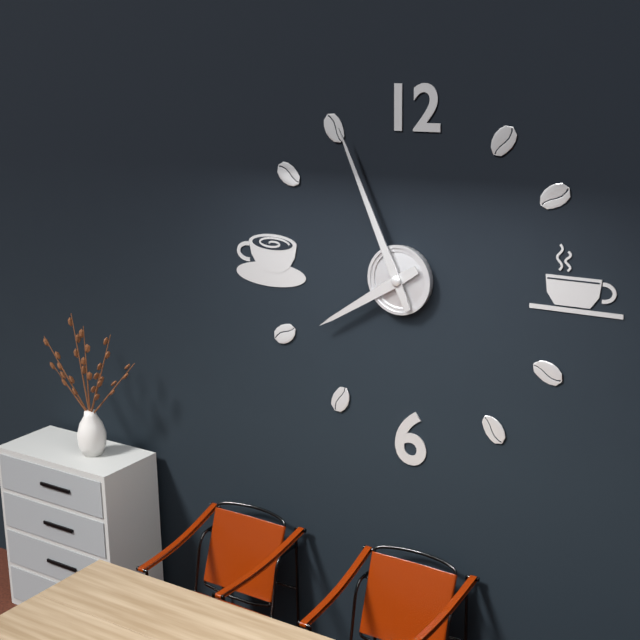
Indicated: 7,56
